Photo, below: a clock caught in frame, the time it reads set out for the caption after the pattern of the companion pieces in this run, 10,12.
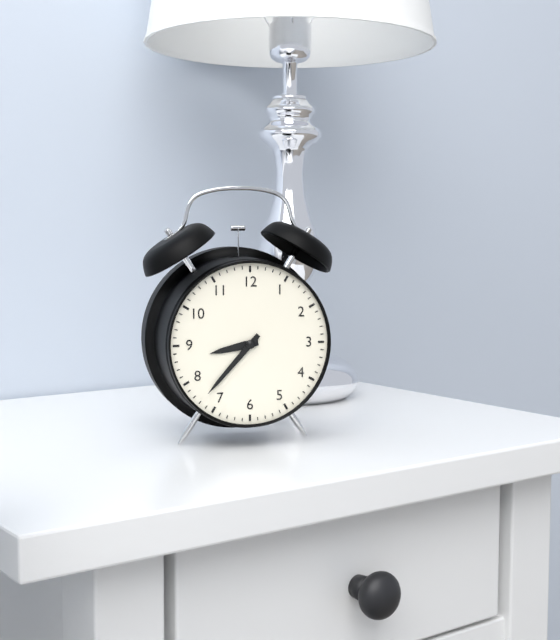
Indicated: 8,37
